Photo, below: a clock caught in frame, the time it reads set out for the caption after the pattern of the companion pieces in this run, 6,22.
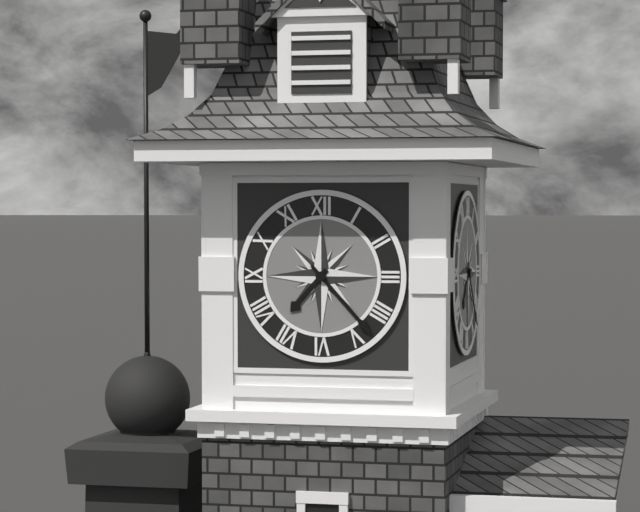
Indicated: 7,23
